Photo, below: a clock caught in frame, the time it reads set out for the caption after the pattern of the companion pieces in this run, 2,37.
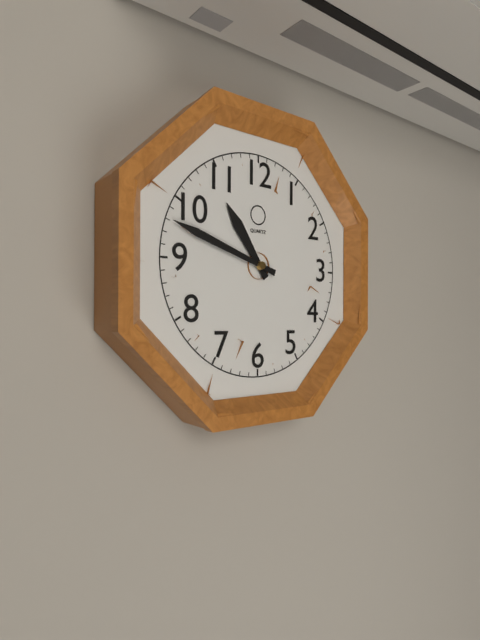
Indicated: 10,48
